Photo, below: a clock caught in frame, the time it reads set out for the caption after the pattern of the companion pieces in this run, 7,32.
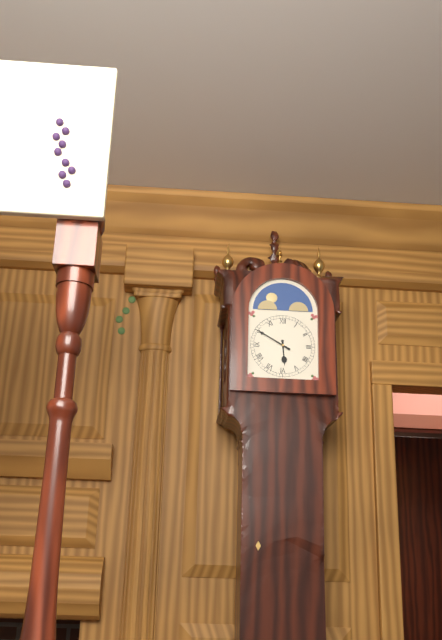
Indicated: 5,50
